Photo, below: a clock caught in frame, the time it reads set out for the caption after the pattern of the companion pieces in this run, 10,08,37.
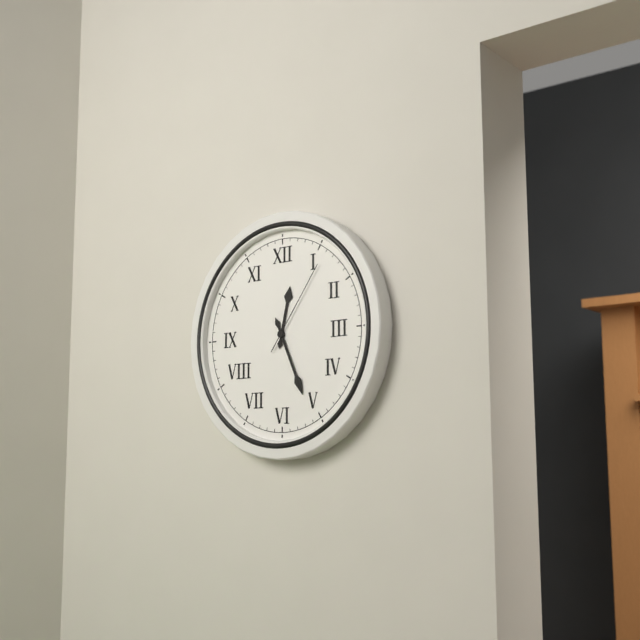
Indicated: 12,26,06
